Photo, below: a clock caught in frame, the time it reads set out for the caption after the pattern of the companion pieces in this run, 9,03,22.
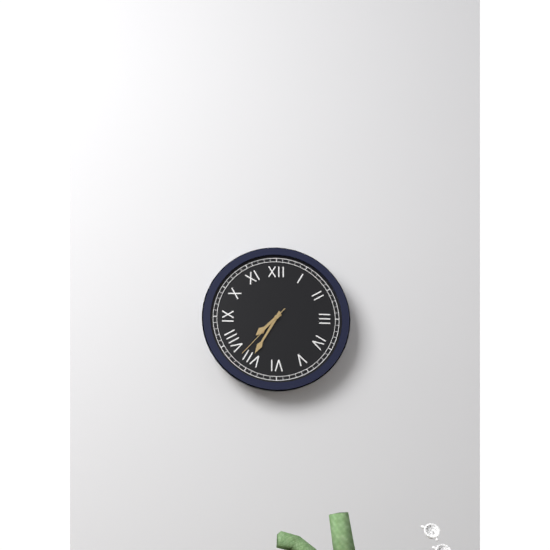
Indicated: 7,35,37
